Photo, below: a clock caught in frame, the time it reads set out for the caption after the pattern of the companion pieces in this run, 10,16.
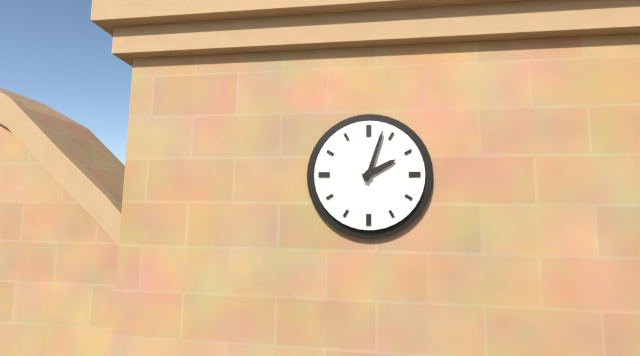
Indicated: 2,03
